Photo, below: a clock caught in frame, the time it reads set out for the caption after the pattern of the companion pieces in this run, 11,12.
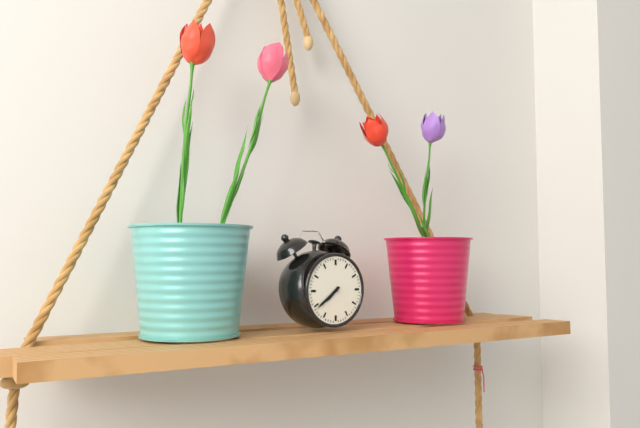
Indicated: 7,39
